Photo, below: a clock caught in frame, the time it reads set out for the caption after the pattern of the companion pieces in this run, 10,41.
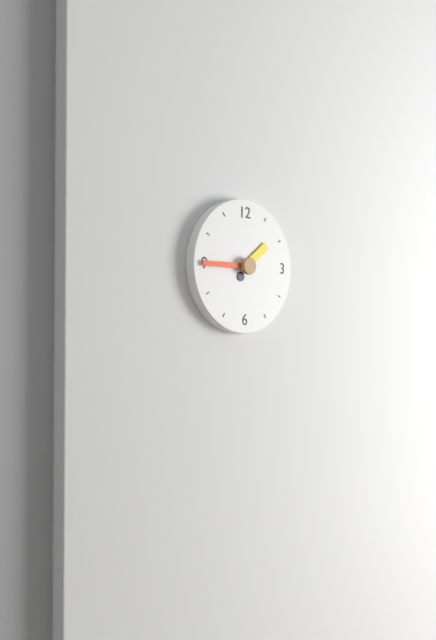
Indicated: 1,45
